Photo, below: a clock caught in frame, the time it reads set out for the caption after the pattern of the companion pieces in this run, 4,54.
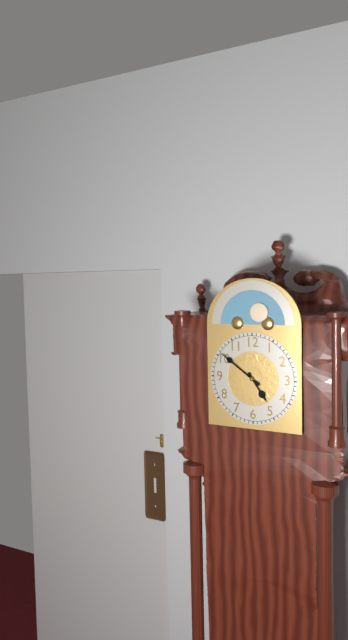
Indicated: 4,51
